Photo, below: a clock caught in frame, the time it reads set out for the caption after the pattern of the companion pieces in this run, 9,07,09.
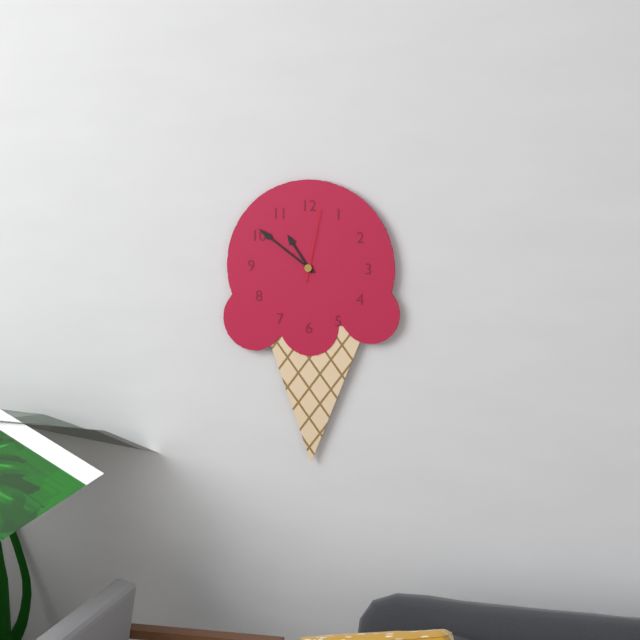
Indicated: 10,51,02
